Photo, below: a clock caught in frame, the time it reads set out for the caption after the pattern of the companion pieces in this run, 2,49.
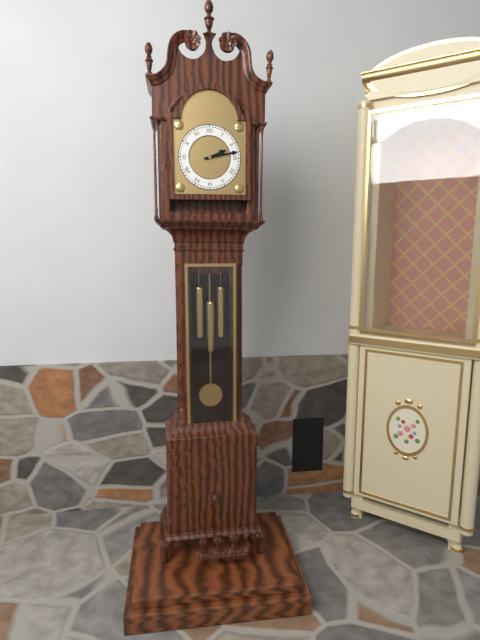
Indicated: 2,13
